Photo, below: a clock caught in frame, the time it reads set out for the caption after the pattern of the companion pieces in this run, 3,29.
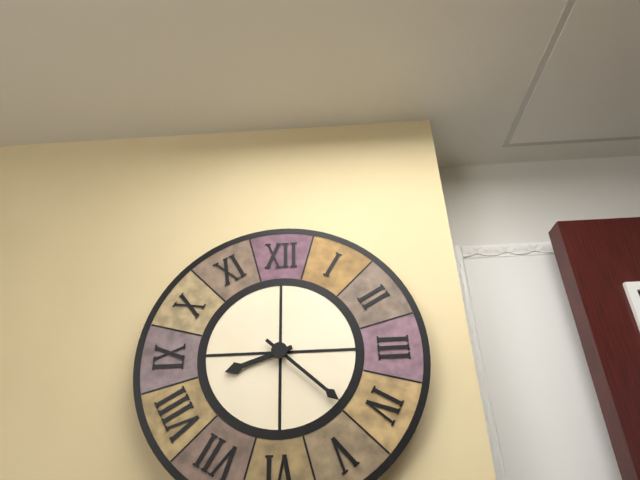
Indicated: 8,22
